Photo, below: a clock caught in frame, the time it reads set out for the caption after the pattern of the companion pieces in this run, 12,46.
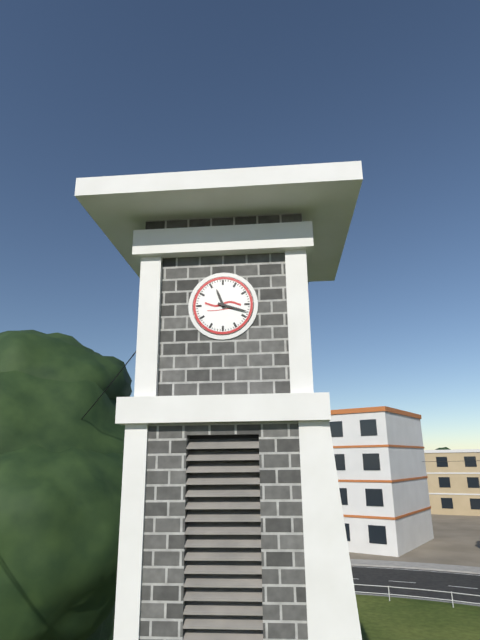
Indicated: 11,18
